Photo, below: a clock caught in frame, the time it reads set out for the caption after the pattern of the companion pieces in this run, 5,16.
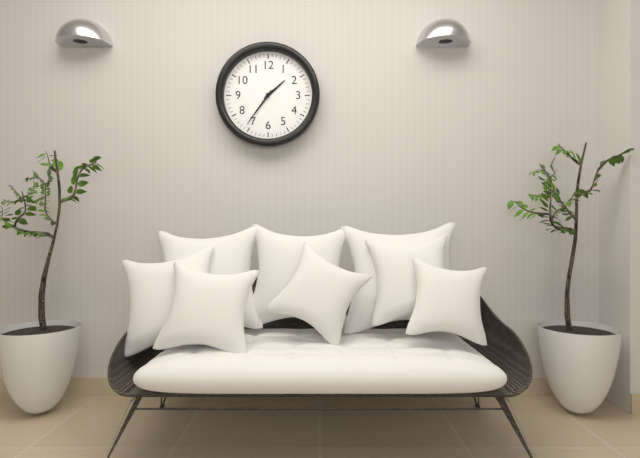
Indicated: 1,36
